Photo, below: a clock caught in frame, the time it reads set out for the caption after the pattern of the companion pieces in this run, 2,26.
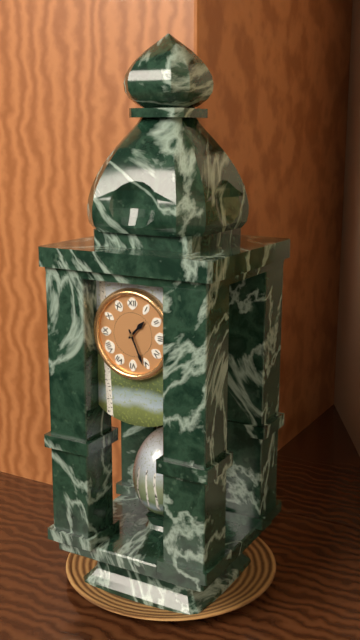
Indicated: 1,26
